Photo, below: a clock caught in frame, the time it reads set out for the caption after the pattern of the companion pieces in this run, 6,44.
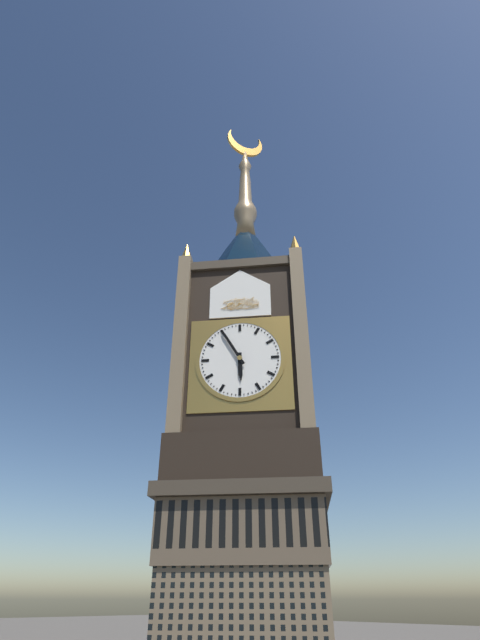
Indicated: 5,55
